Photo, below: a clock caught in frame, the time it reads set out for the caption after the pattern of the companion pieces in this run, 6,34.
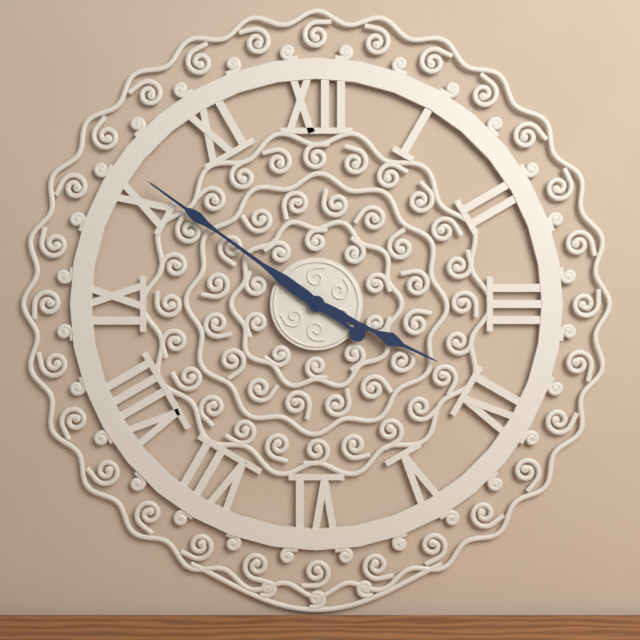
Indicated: 3,51
